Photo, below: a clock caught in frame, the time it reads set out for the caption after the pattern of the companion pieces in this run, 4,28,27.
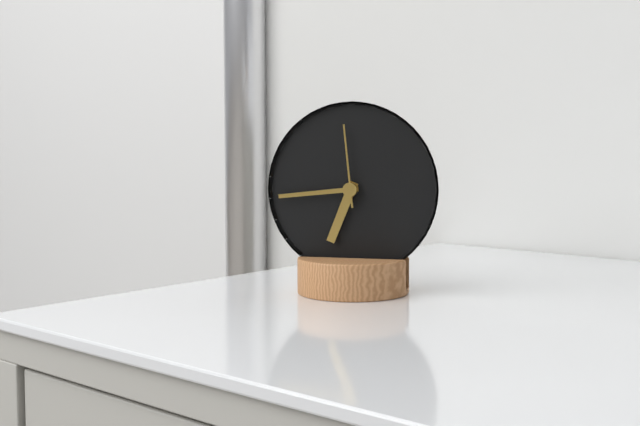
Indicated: 6,44,59
